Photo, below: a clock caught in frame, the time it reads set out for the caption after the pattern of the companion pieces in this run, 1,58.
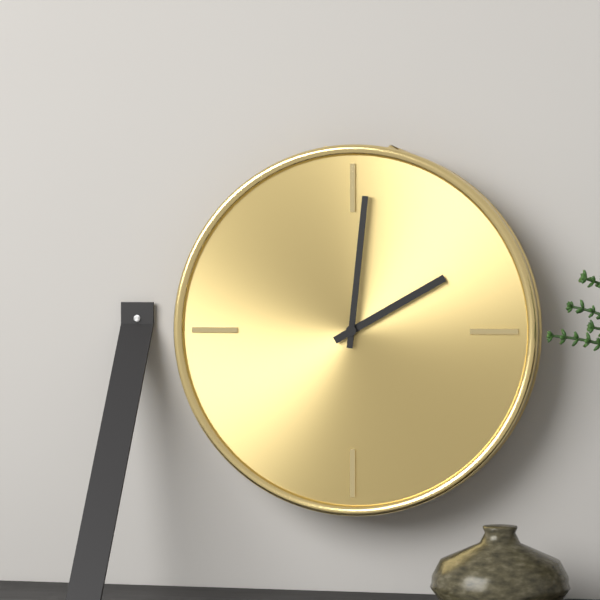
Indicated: 2,01
